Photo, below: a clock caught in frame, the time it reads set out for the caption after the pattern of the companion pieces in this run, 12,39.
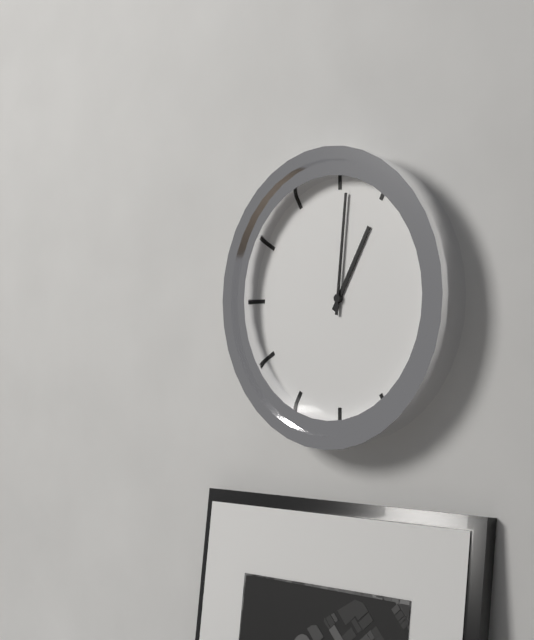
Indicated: 1,01
